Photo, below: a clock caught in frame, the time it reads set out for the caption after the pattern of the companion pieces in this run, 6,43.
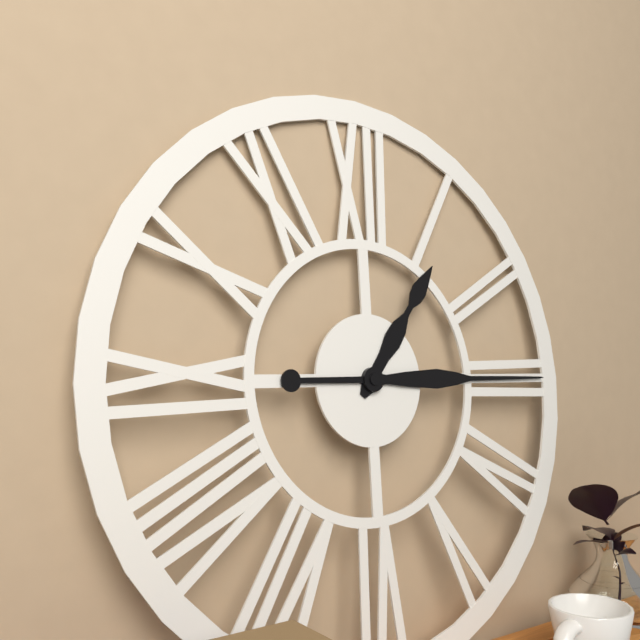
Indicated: 1,15
